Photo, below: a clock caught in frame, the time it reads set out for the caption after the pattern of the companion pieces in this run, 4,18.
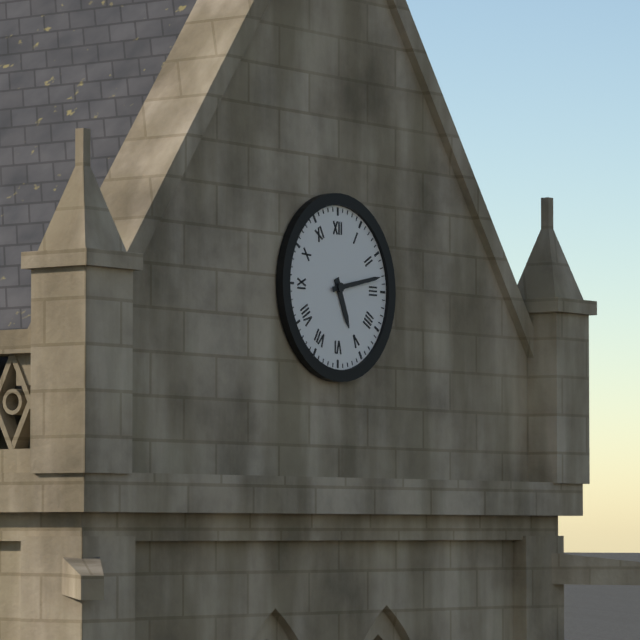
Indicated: 5,13
